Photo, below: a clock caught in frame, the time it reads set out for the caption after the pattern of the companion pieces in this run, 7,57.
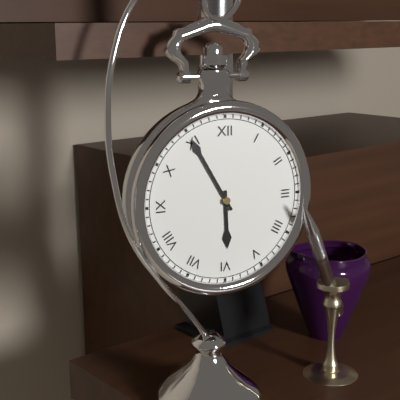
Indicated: 5,55
